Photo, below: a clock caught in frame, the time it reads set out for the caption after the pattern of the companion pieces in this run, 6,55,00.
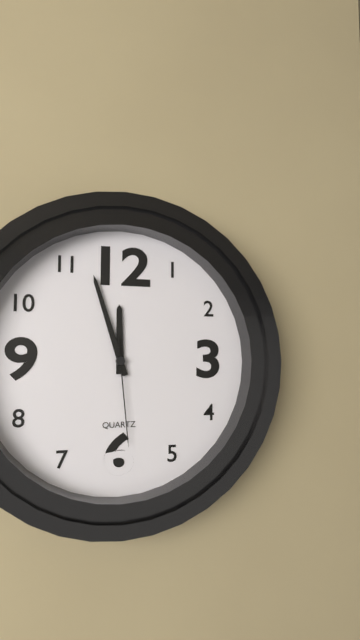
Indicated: 11,57,29
